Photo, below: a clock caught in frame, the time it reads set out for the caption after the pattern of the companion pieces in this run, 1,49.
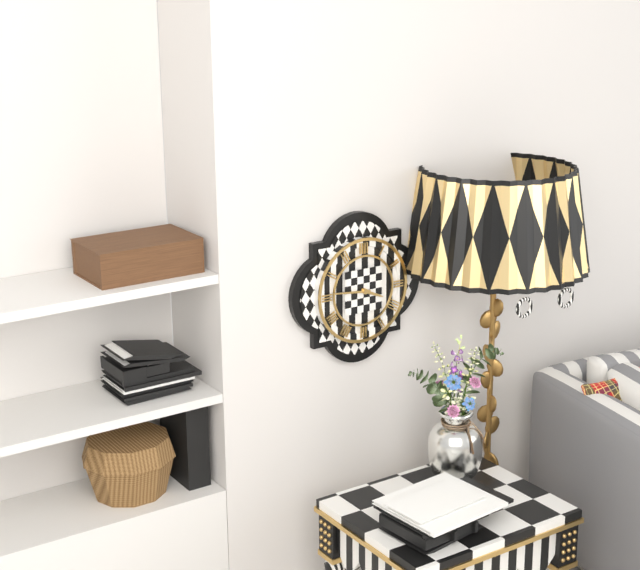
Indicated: 3,46
